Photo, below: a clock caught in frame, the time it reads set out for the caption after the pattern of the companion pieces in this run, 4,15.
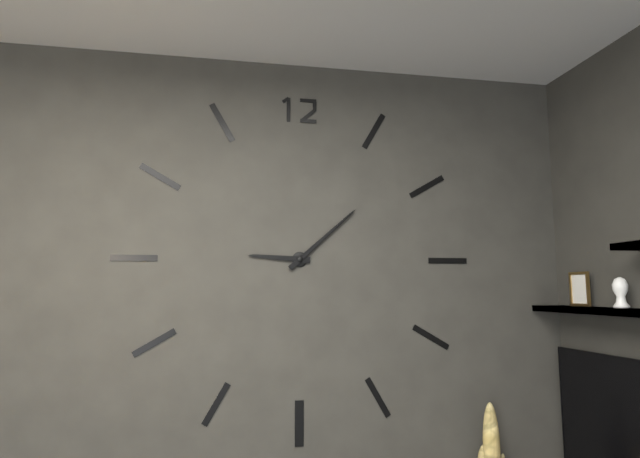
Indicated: 9,08
